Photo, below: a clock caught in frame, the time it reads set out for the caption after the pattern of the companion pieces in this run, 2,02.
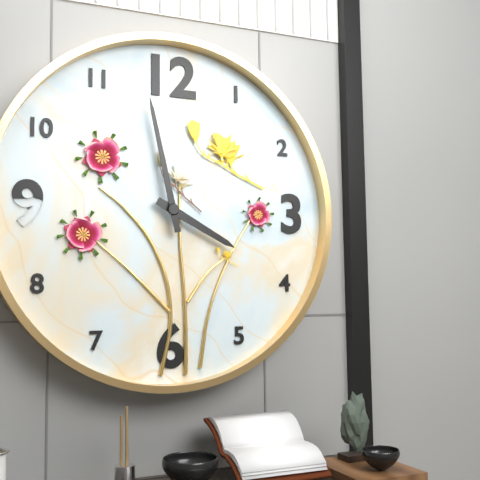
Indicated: 3,58
